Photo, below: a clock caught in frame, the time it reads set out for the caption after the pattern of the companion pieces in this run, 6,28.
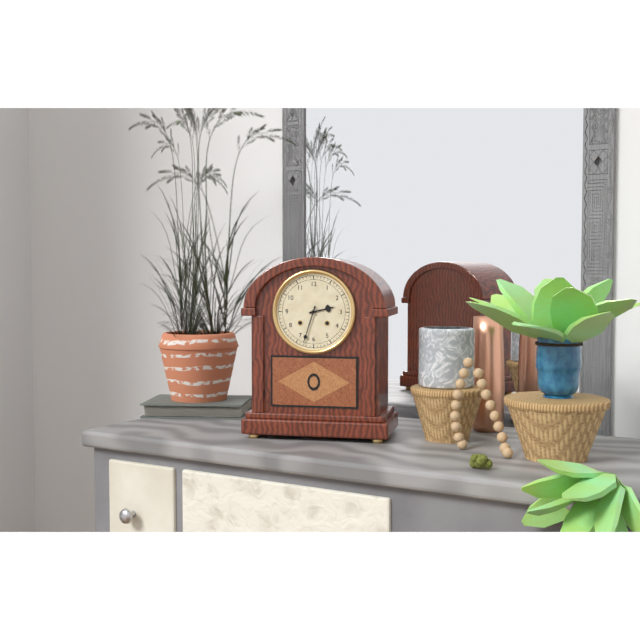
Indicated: 2,33
